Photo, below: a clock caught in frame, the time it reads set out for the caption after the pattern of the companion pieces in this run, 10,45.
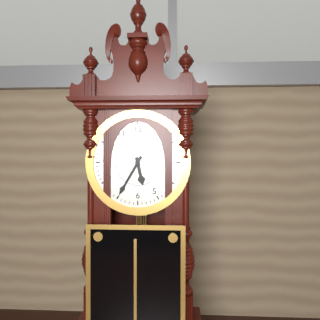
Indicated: 5,35
